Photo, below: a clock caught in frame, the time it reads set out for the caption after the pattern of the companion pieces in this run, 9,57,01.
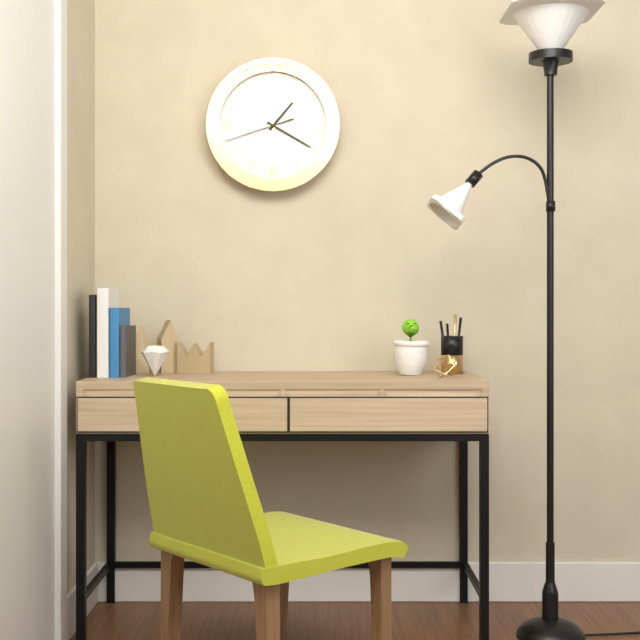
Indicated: 1,20,42
